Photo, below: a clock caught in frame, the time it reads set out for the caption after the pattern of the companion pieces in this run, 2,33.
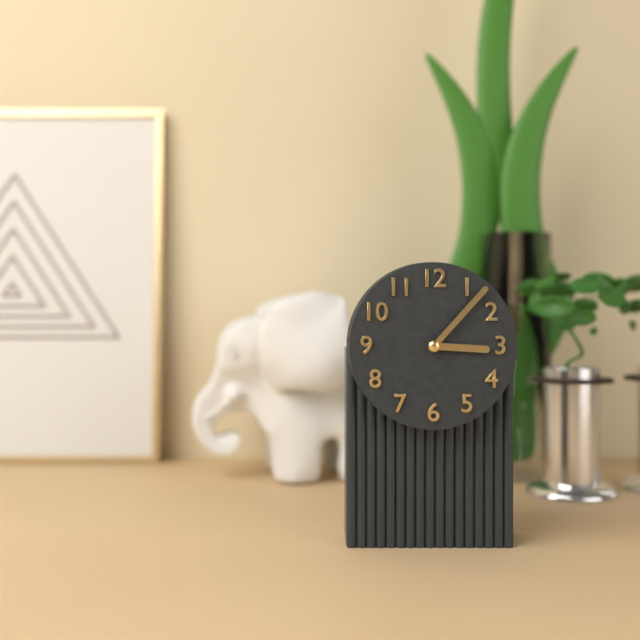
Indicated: 3,07
